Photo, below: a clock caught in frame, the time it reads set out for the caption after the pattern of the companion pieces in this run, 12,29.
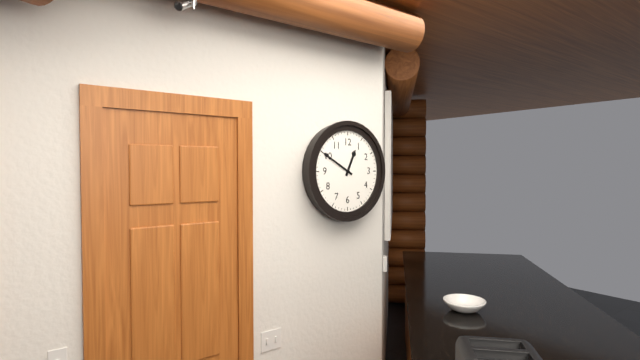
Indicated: 12,50
